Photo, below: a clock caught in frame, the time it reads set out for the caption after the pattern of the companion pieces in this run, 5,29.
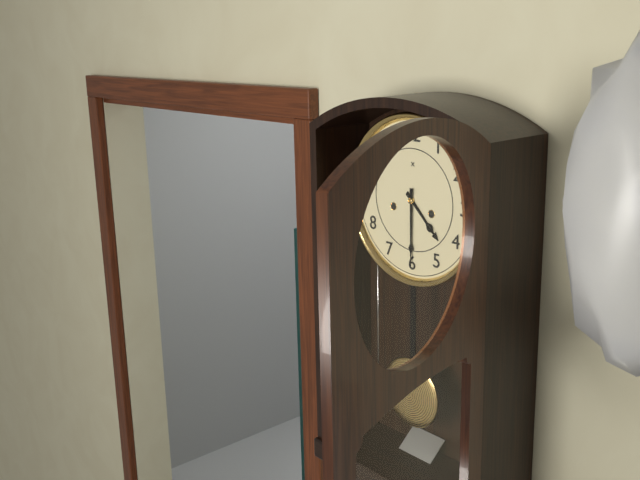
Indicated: 4,30
